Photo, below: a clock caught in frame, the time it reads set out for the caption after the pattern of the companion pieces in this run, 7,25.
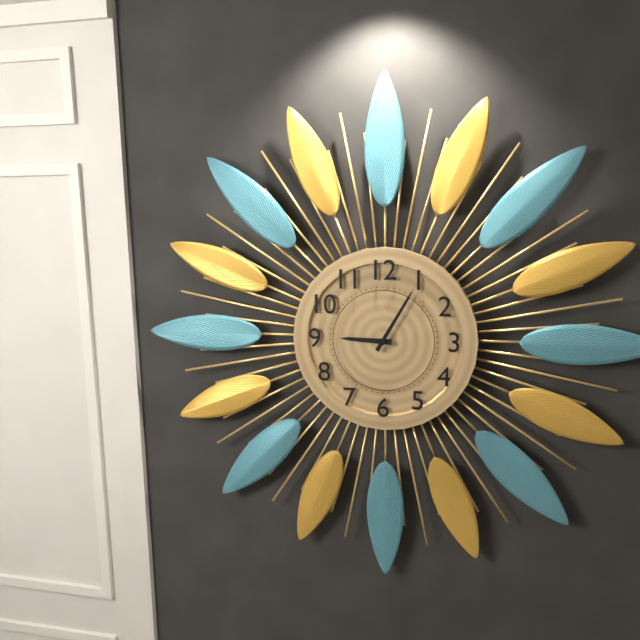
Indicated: 9,05
